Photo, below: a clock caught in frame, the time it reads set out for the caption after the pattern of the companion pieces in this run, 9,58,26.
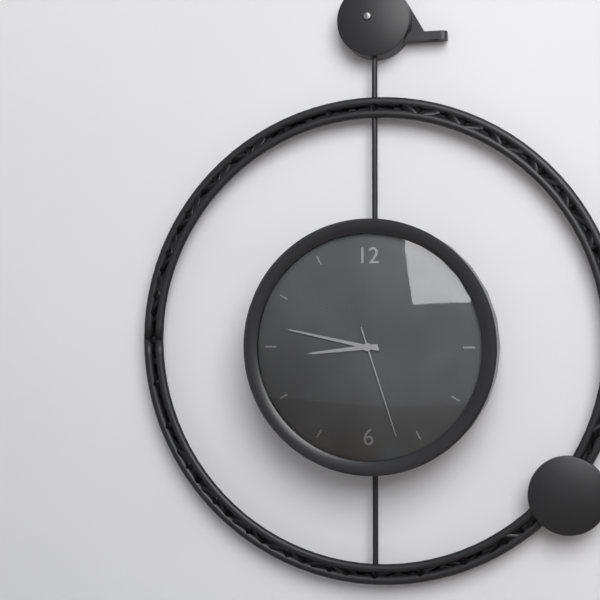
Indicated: 8,47,27
